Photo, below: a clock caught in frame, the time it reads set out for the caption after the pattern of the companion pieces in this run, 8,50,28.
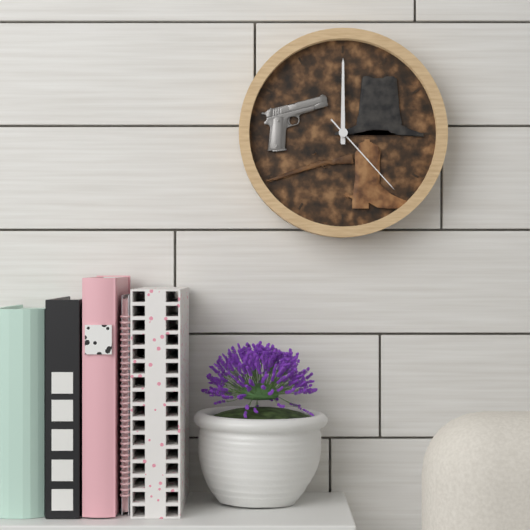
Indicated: 12,00,23
